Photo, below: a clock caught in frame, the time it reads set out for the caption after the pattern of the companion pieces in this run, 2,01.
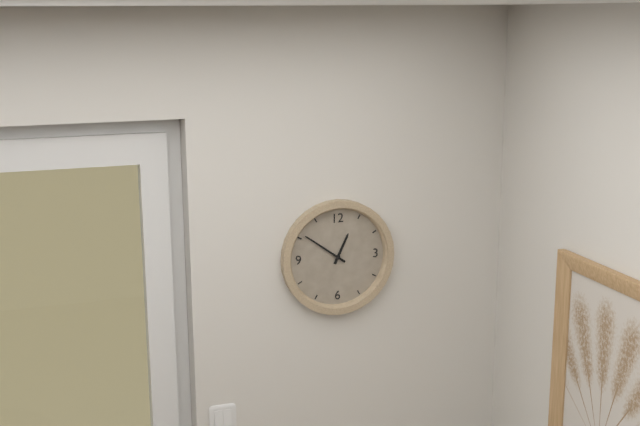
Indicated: 12,51
